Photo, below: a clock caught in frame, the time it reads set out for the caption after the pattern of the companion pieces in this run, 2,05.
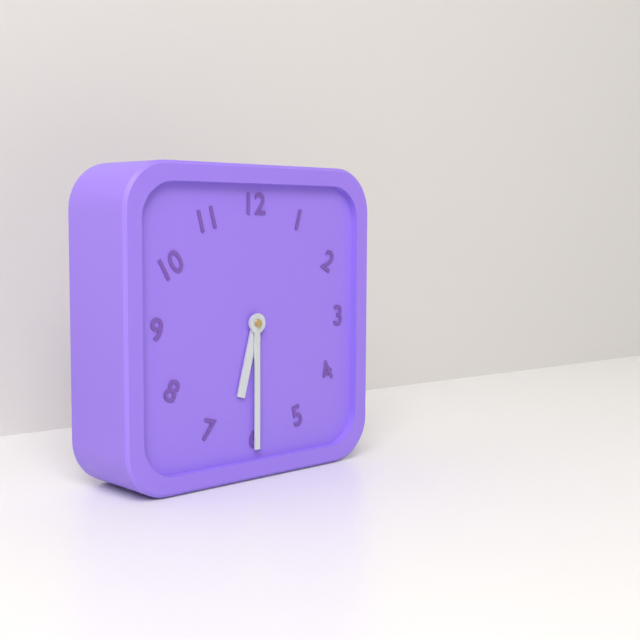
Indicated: 6,30
